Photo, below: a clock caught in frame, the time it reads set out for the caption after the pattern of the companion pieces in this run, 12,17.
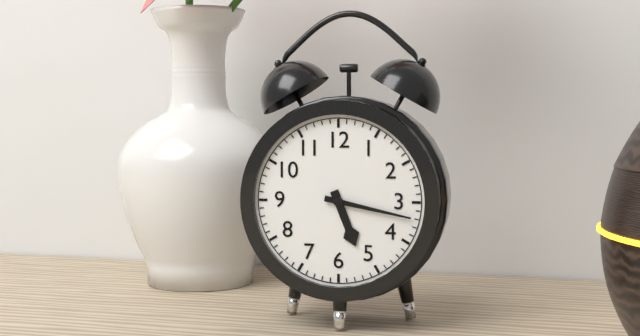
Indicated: 5,17
